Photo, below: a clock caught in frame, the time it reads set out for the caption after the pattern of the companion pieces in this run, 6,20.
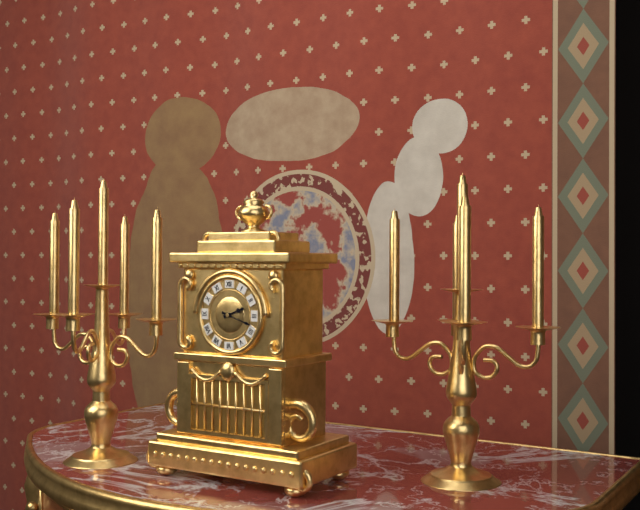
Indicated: 2,18
